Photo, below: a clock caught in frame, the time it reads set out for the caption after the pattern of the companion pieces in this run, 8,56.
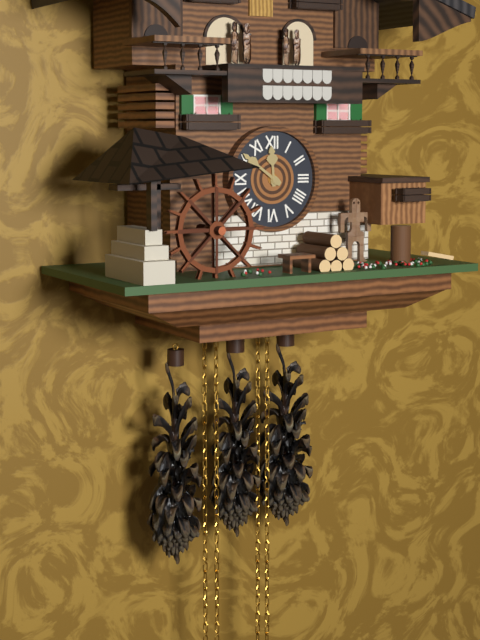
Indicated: 11,51
